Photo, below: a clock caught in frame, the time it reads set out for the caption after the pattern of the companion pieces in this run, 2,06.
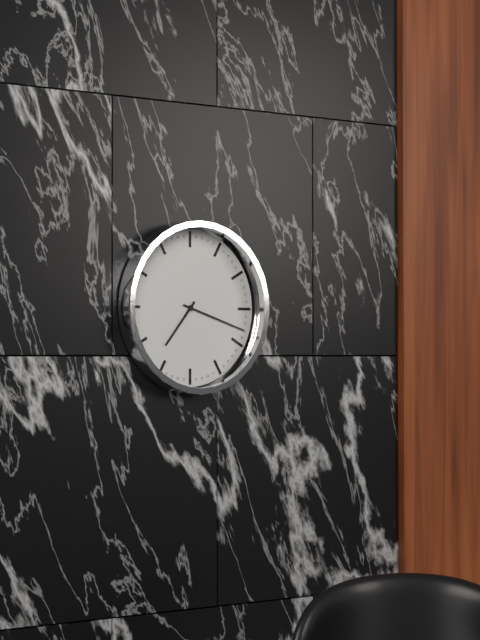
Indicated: 7,18
